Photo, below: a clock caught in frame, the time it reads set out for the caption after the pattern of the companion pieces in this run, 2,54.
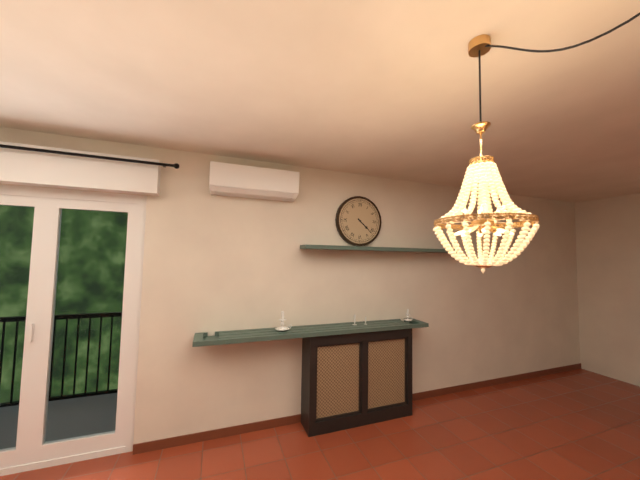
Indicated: 4,22
